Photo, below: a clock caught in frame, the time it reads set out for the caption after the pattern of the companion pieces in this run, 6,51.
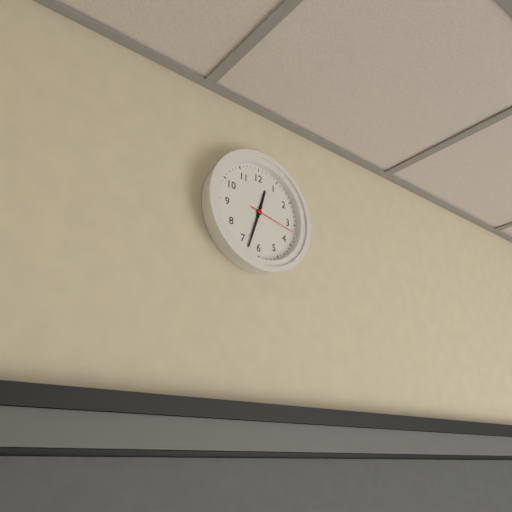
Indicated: 12,33
